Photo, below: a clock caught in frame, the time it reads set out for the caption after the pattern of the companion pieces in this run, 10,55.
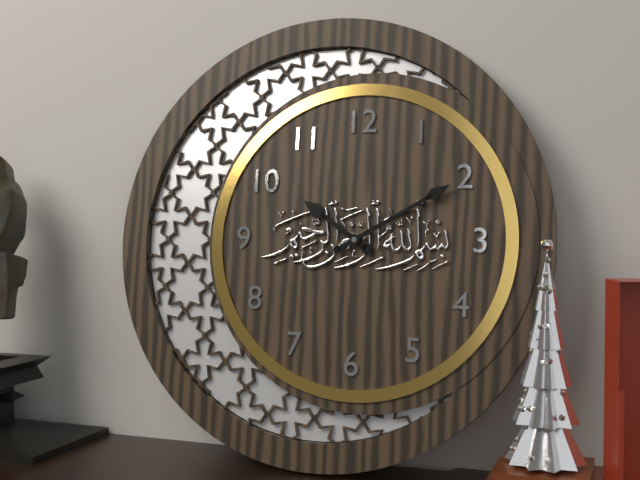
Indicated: 10,10
